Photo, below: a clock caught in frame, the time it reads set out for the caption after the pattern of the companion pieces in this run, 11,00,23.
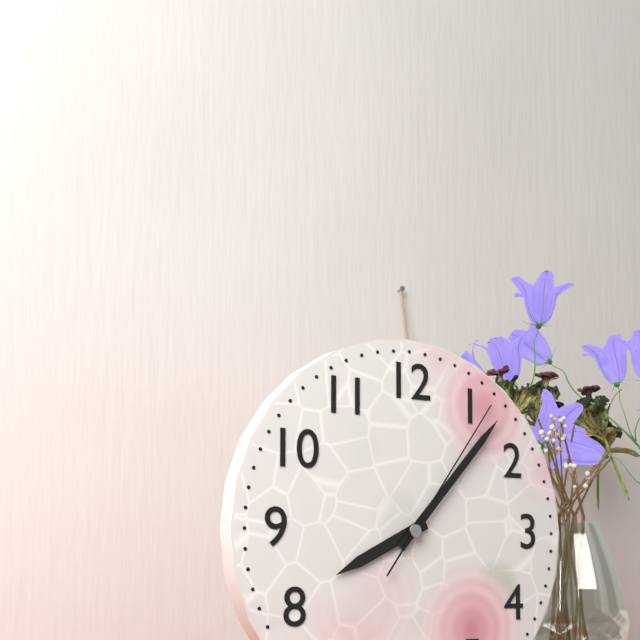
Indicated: 8,07,06
